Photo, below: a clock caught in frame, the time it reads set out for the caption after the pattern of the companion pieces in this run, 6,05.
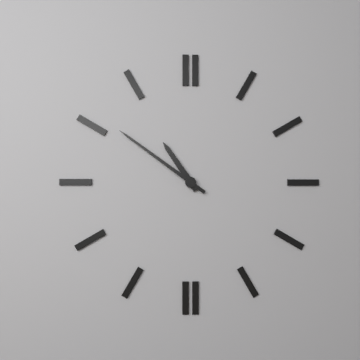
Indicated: 10,51
